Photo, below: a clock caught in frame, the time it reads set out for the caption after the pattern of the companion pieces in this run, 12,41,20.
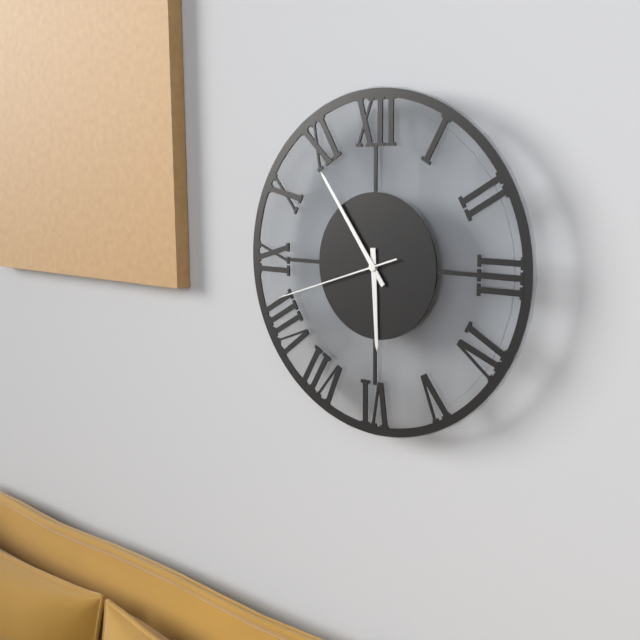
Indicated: 5,54,42
